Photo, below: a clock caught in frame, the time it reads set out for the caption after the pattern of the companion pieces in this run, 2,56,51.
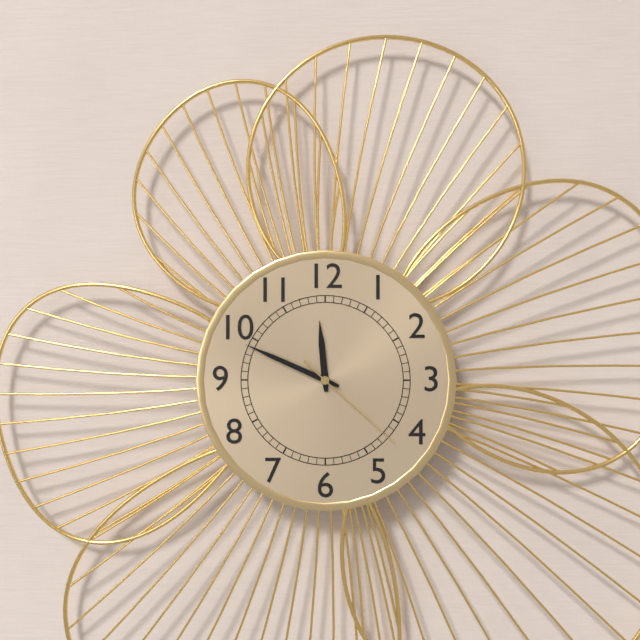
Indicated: 11,49,22
